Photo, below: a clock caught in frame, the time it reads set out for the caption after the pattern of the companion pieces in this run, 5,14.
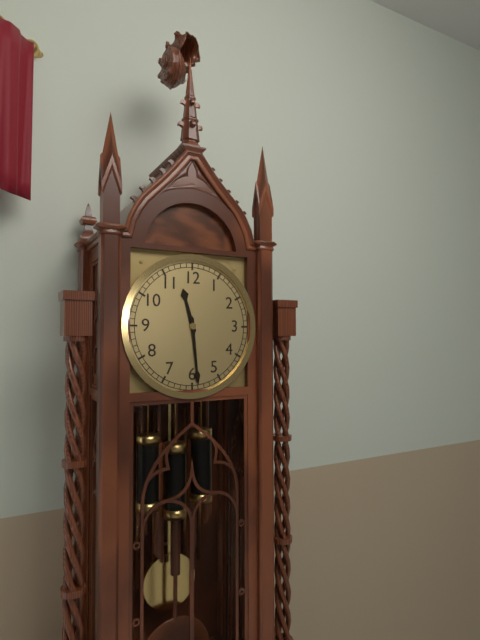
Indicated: 11,29
